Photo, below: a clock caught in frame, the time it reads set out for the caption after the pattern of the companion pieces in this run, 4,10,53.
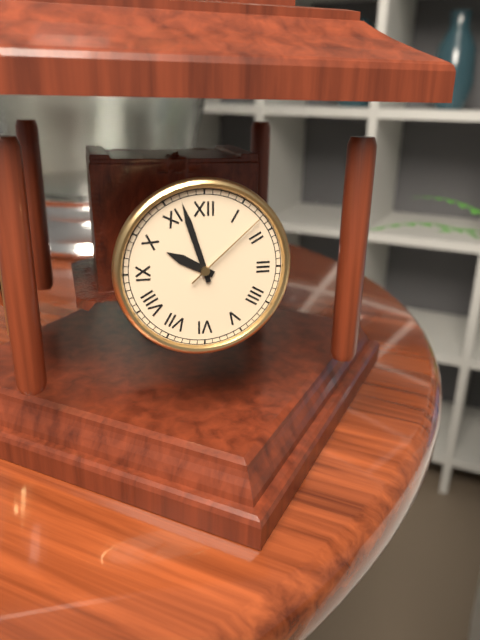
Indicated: 9,57,08
